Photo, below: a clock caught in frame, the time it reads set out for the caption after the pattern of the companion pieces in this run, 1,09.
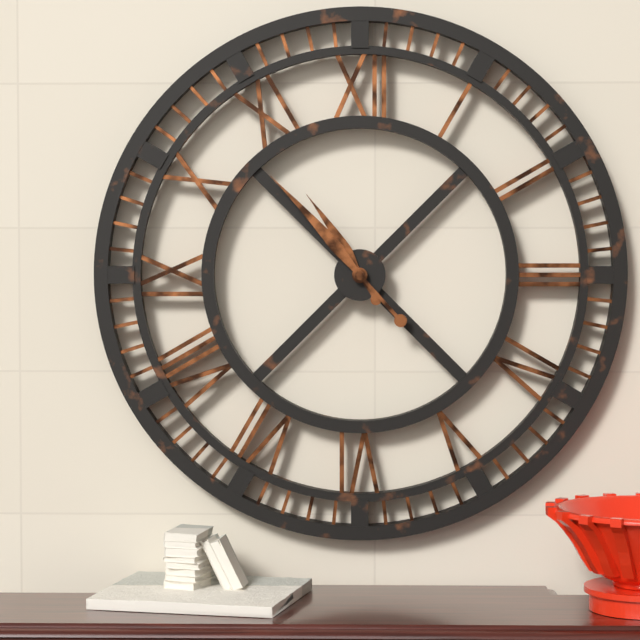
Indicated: 10,53
